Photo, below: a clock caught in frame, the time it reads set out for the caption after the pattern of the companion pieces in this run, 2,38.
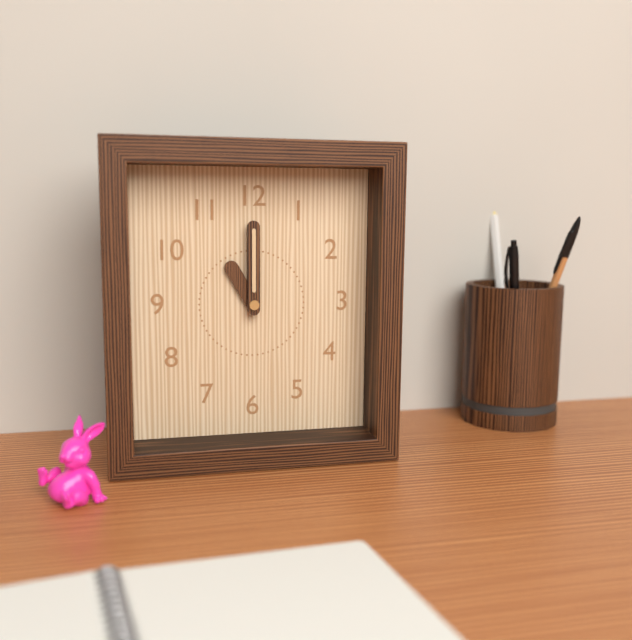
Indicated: 11,00
